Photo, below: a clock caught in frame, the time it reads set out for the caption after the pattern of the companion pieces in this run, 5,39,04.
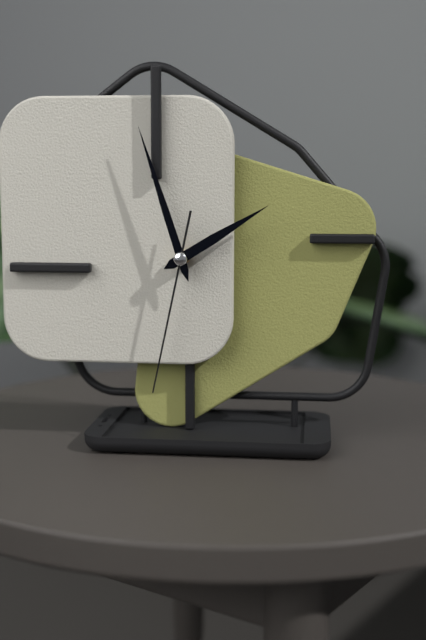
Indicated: 1,57,32
